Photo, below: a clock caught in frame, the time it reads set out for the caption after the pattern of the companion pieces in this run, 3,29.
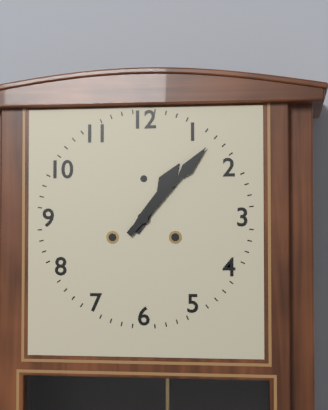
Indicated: 1,07
